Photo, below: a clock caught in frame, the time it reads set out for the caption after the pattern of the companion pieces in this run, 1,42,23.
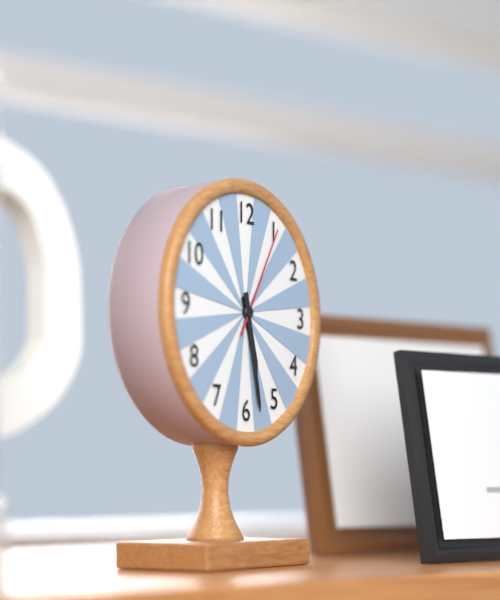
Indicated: 5,28,05
